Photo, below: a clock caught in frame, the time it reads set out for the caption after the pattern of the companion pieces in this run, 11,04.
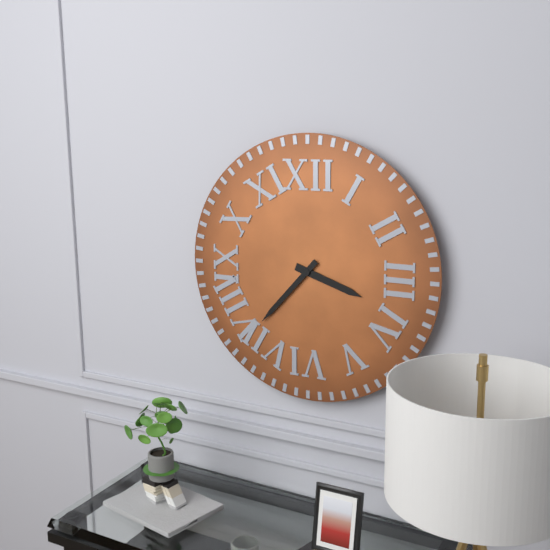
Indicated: 3,37
